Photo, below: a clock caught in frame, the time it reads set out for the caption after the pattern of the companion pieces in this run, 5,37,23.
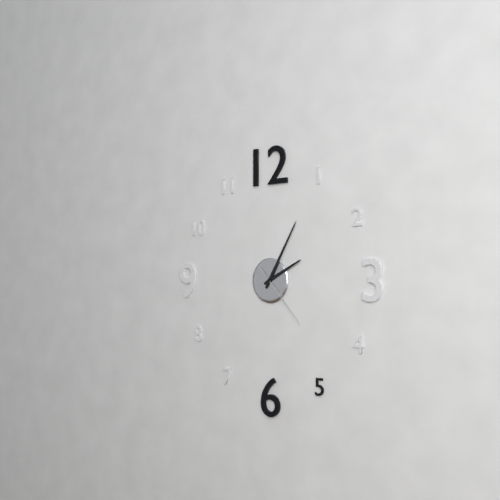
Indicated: 2,05,23
